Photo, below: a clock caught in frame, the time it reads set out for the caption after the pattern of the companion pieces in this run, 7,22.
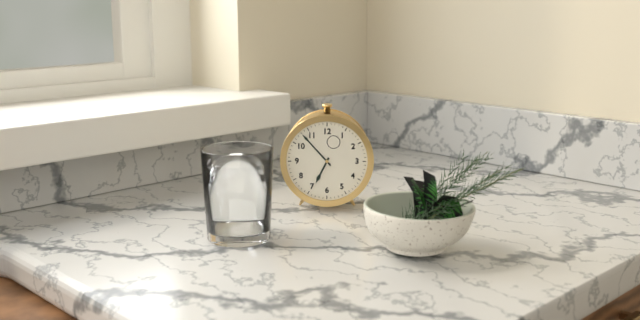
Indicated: 6,53
